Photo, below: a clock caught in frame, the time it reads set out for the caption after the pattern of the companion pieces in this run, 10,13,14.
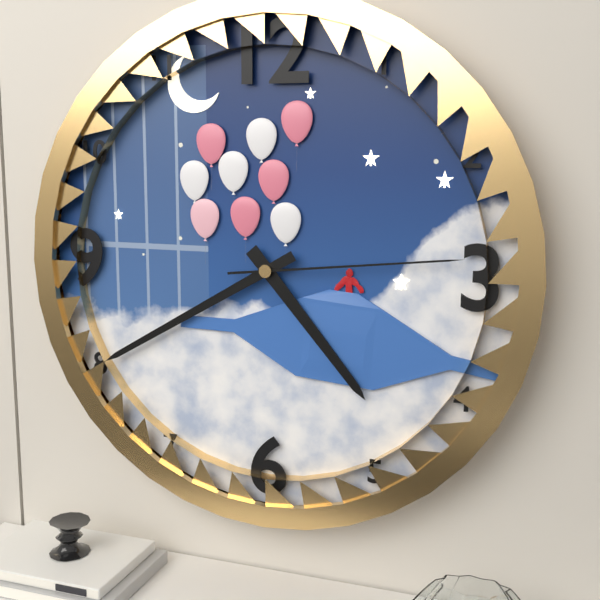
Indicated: 4,40,14
